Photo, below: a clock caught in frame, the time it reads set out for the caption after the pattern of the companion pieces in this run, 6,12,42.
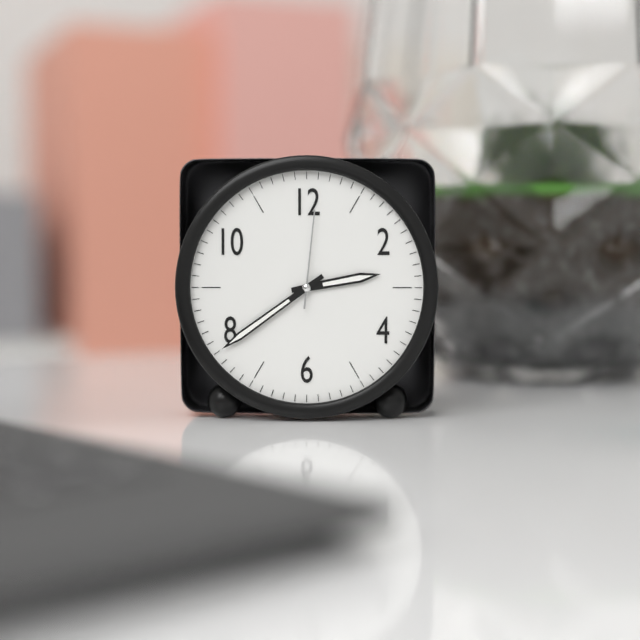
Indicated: 2,39,01
